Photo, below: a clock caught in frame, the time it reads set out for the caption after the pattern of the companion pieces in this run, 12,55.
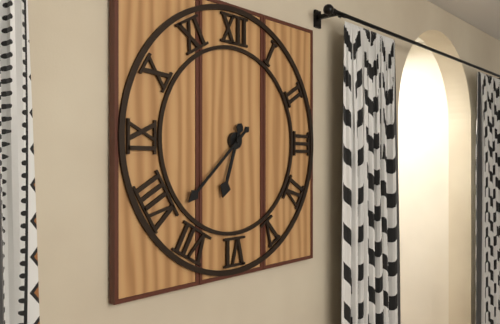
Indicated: 6,38
